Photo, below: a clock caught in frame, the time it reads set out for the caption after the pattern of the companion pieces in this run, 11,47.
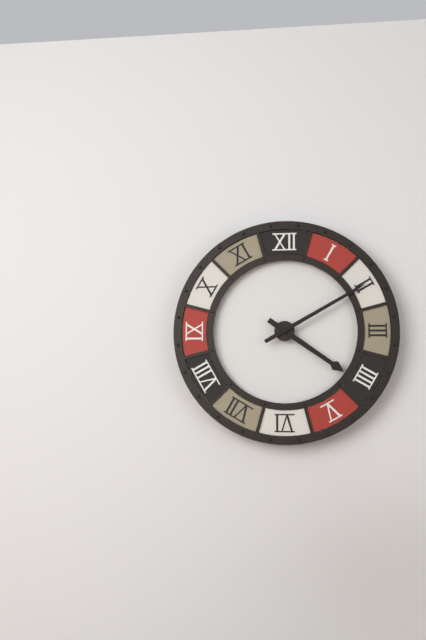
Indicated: 4,10
